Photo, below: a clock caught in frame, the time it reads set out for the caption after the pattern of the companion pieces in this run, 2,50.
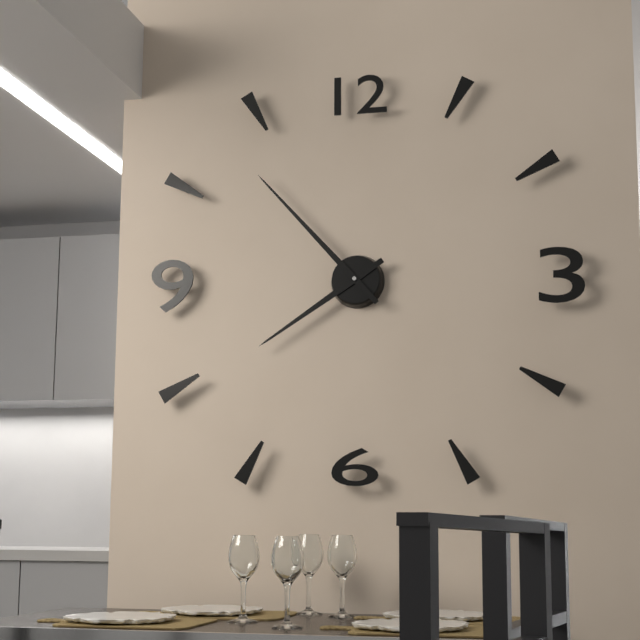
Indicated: 7,53
